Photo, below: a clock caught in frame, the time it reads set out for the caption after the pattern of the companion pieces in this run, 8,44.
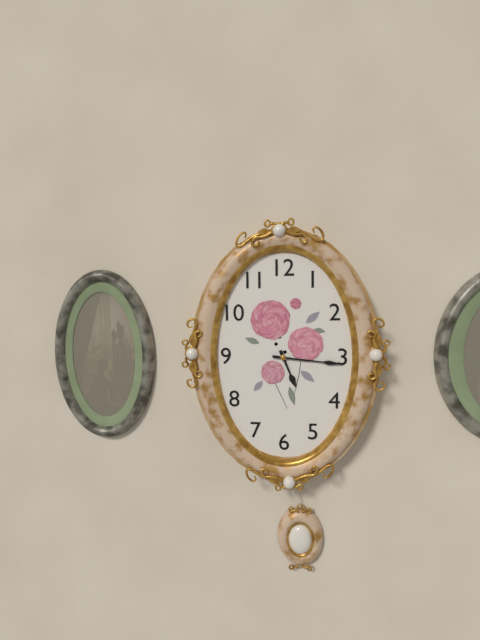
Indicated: 5,16
